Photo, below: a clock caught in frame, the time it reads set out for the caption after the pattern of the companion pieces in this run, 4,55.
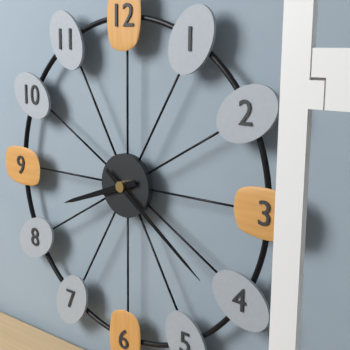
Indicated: 8,21
